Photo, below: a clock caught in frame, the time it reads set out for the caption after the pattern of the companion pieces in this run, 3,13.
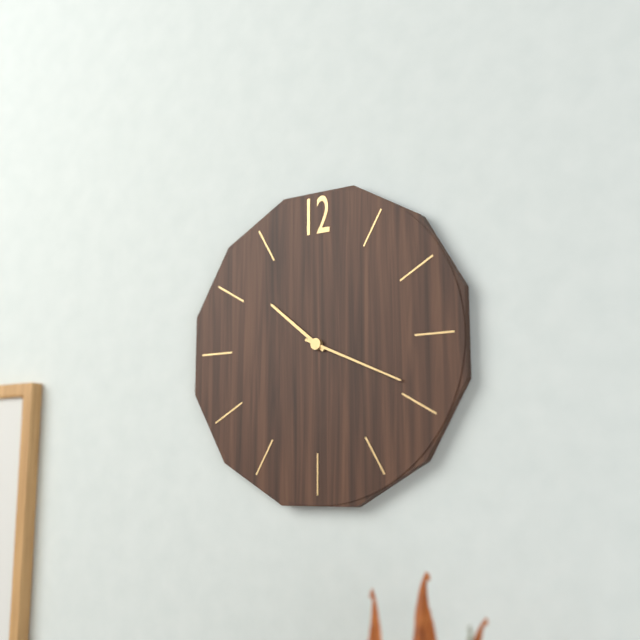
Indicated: 10,19
